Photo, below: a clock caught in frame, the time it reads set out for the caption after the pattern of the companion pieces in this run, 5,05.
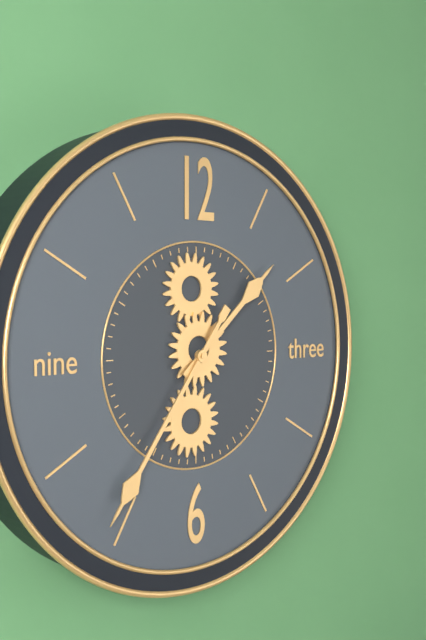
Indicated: 1,36
